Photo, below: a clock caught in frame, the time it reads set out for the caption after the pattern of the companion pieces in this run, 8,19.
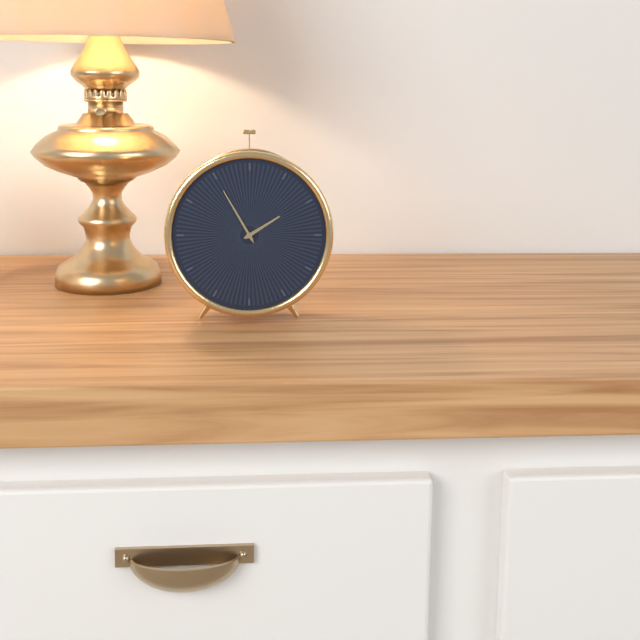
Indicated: 1,55
